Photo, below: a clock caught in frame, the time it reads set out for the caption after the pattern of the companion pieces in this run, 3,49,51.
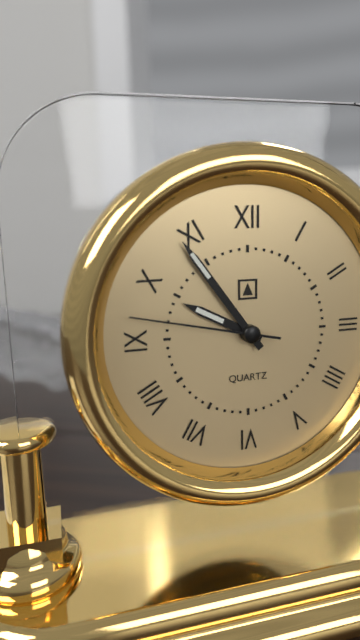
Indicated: 9,54,47
